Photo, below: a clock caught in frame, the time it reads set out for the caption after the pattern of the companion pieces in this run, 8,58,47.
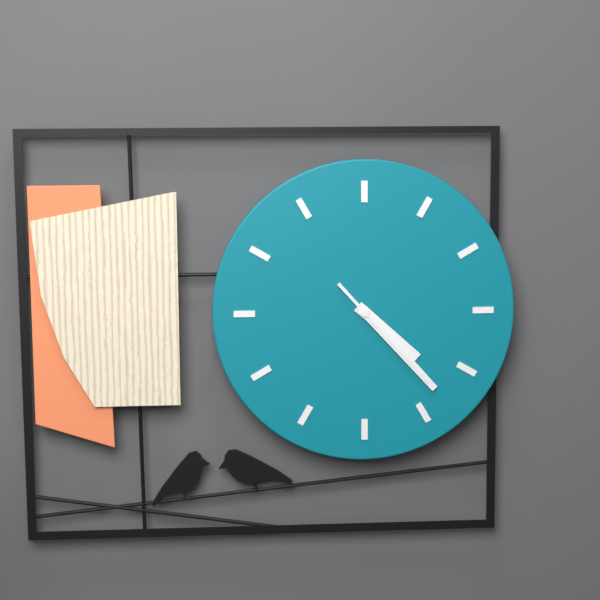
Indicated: 4,23,23
